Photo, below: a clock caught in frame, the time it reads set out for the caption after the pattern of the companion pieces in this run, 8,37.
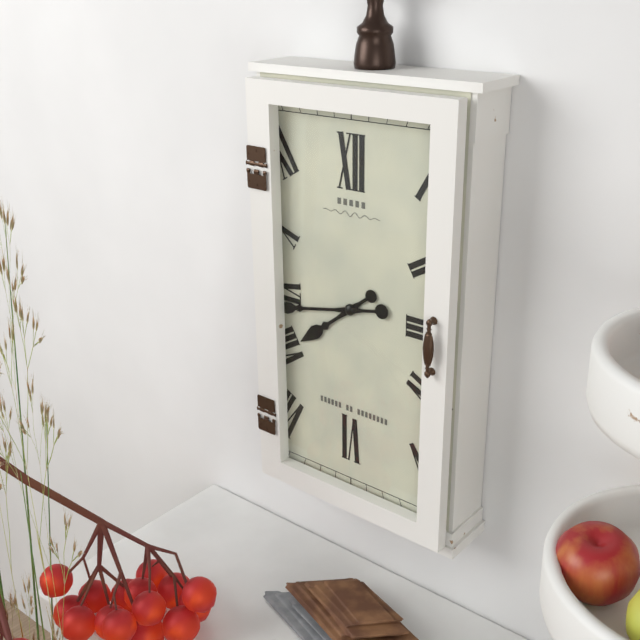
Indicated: 7,43
